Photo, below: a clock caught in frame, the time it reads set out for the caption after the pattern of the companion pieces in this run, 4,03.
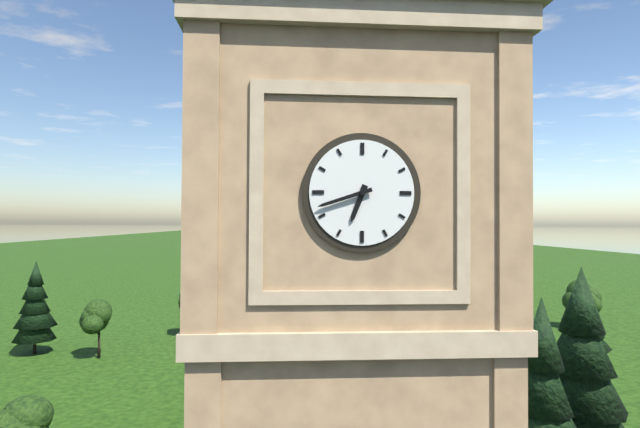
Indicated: 6,42
